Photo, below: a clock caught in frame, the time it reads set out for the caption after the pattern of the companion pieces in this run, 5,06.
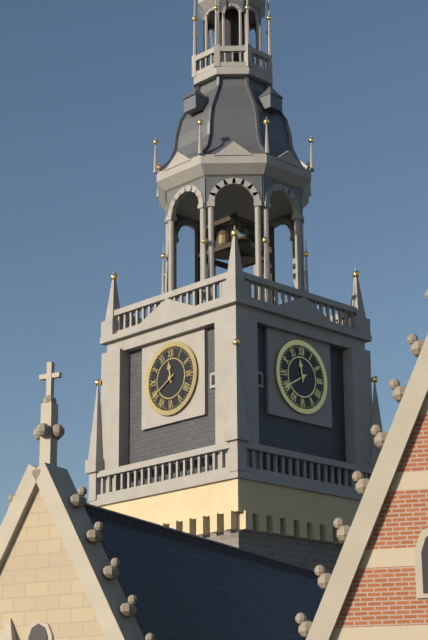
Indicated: 11,40
